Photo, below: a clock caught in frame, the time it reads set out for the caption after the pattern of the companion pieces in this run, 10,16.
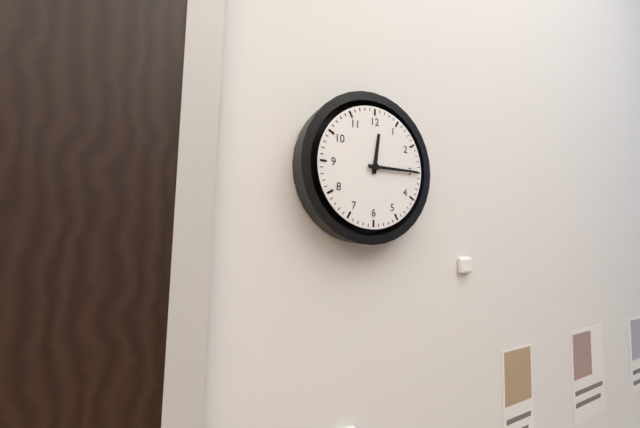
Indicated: 12,15
